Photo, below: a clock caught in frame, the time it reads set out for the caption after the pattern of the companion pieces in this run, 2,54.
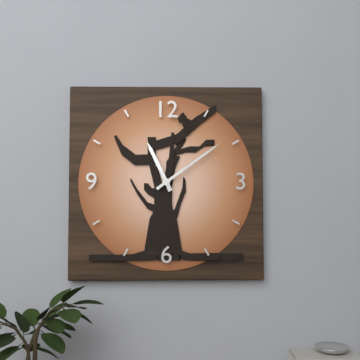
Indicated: 11,09
